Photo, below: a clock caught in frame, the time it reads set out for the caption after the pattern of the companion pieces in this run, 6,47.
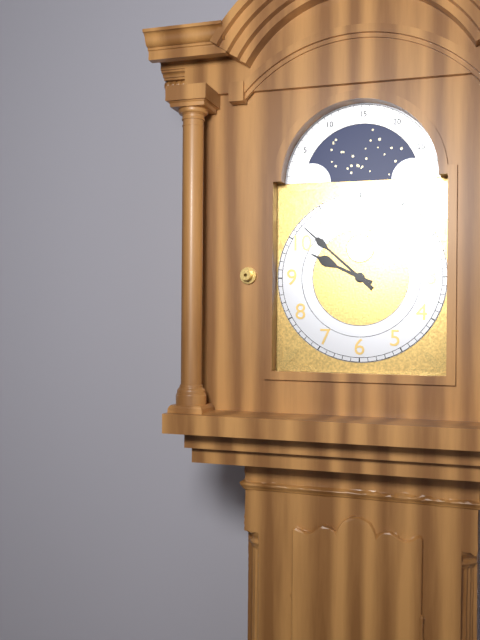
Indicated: 9,52
